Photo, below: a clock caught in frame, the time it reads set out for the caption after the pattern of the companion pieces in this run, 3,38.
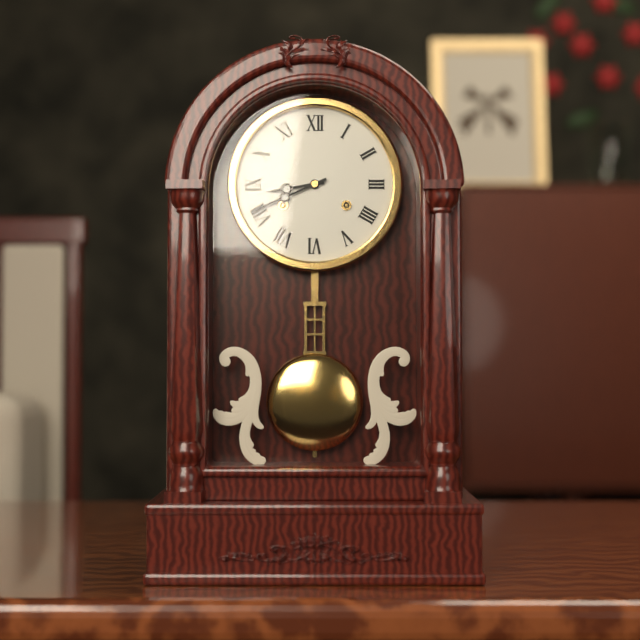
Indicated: 8,41
